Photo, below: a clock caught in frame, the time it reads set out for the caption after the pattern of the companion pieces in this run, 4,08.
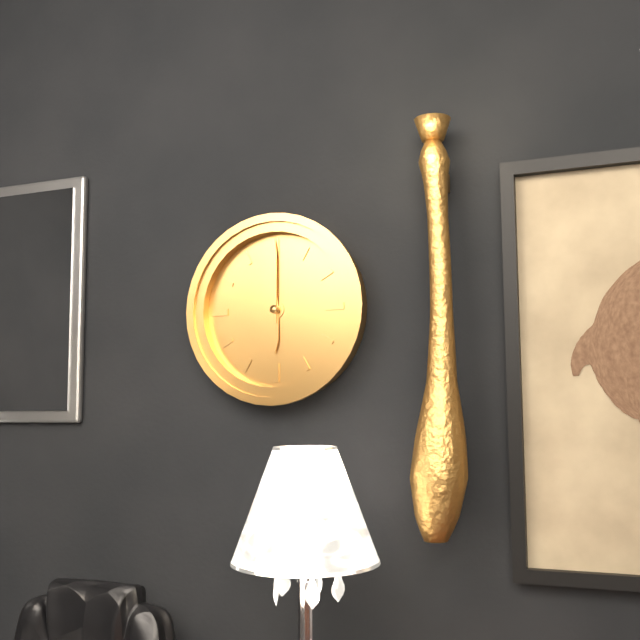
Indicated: 6,00
